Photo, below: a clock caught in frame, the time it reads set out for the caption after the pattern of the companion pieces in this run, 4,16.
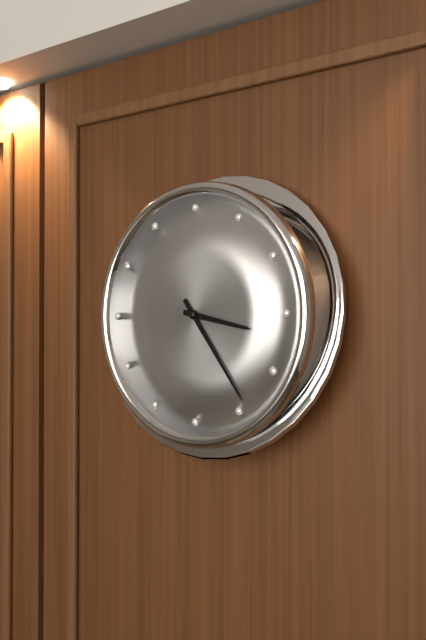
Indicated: 3,24
